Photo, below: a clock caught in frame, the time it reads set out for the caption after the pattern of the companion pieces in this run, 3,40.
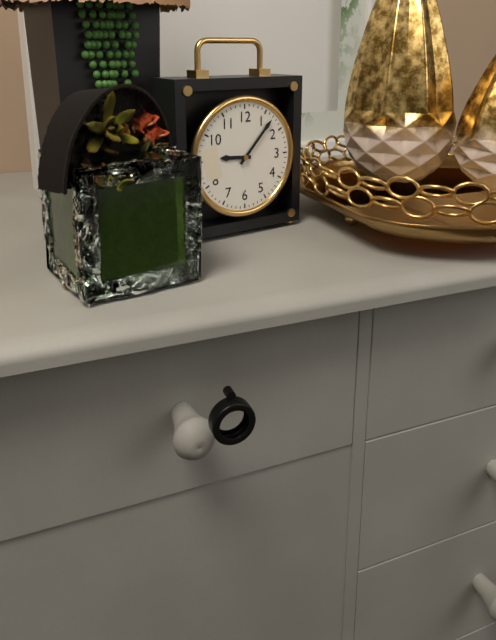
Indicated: 9,07
